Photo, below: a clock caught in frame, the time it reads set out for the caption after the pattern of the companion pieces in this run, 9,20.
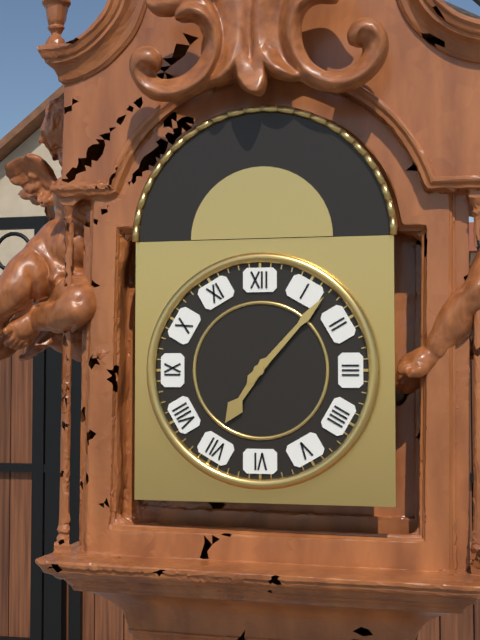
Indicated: 7,07
